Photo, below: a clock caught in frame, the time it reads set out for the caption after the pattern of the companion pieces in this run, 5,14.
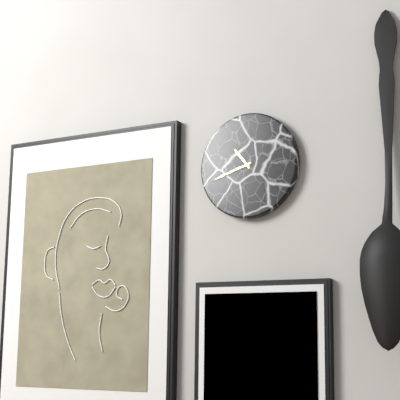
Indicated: 10,42
